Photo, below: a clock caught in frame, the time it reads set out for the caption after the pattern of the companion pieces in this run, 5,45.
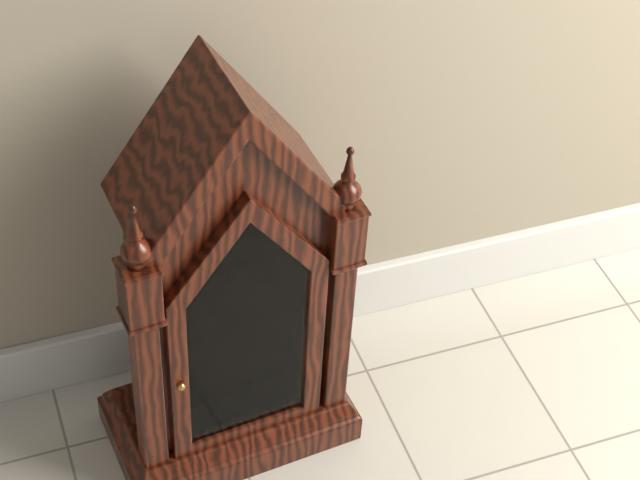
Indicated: 6,40
